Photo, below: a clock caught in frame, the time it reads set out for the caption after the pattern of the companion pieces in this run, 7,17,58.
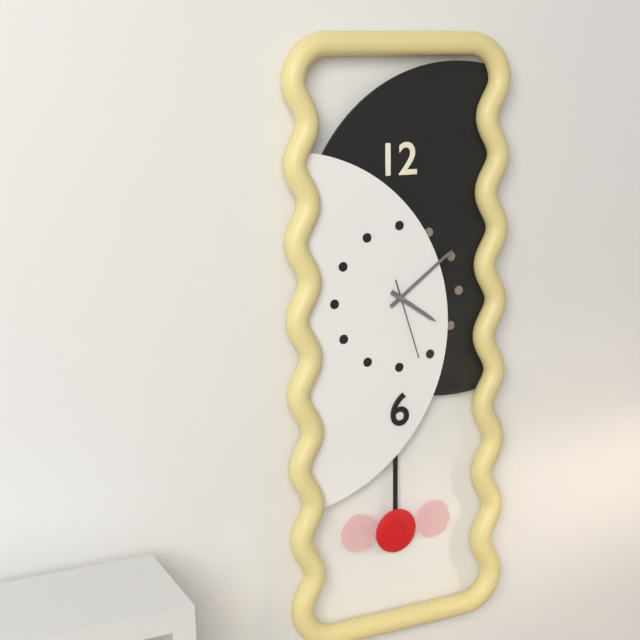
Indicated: 4,09,27
